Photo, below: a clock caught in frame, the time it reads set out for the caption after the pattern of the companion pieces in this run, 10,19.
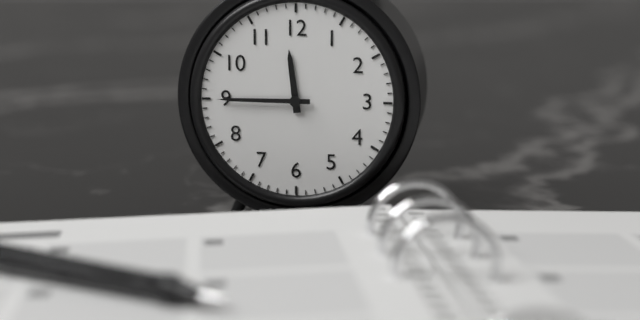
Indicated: 11,45
